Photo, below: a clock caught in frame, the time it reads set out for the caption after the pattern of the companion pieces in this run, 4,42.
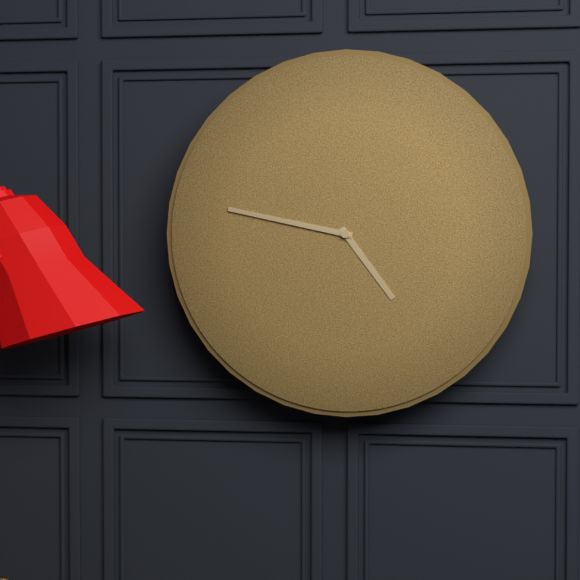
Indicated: 4,47
